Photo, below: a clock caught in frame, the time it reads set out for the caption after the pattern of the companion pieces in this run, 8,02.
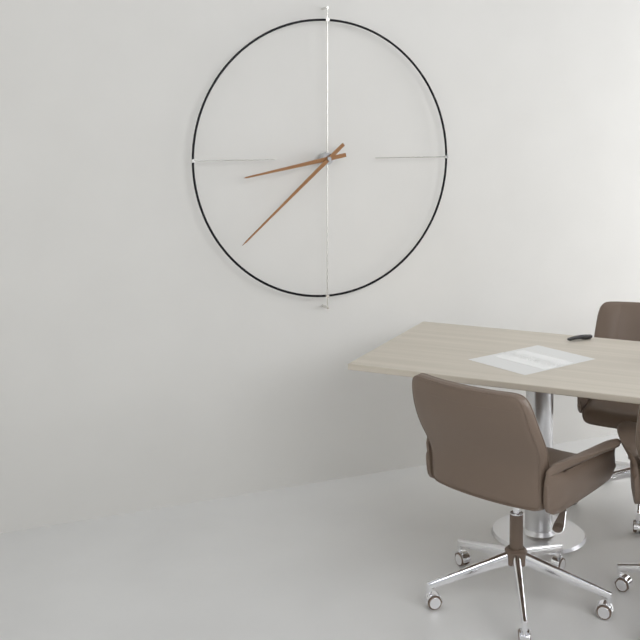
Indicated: 8,38
